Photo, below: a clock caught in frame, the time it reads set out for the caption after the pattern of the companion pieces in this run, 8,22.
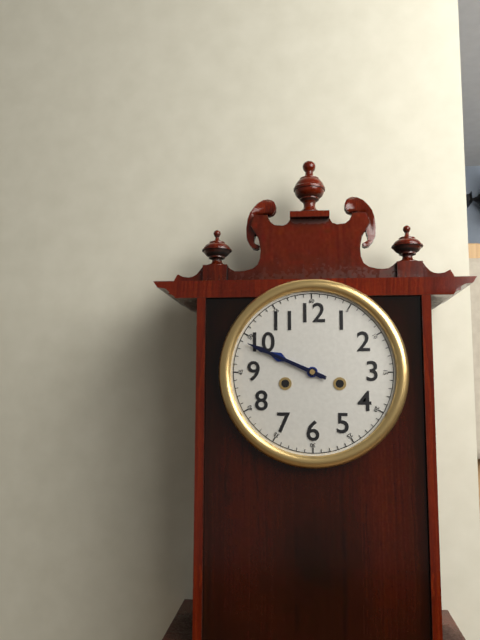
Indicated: 9,49
